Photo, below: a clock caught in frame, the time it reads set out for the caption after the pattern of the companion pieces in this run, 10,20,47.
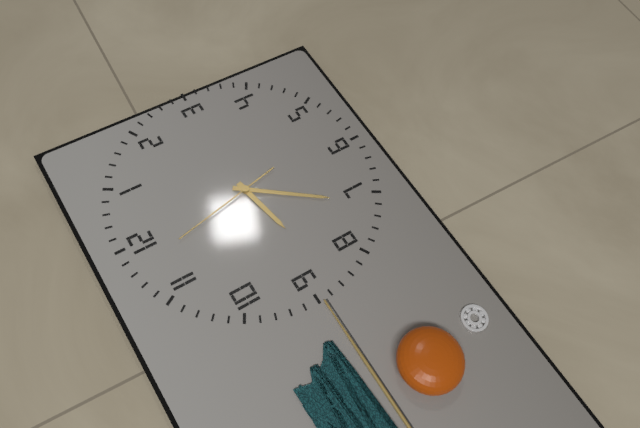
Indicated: 8,36,58
